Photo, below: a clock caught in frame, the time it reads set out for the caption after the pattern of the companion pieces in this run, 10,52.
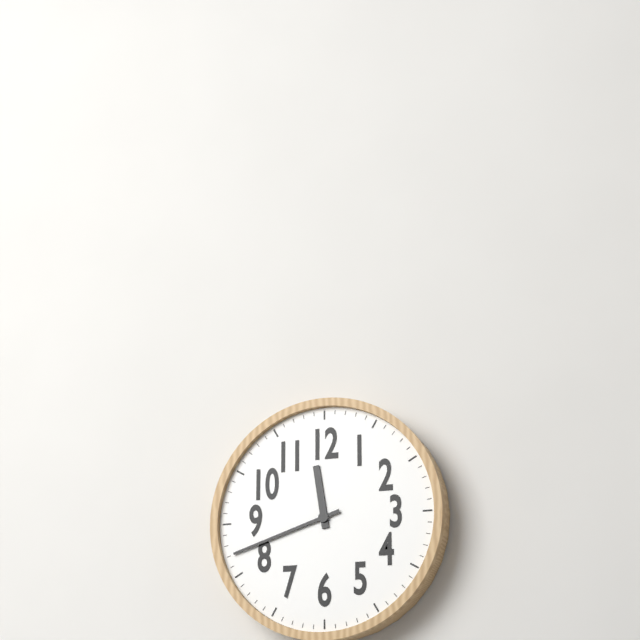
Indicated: 11,42
